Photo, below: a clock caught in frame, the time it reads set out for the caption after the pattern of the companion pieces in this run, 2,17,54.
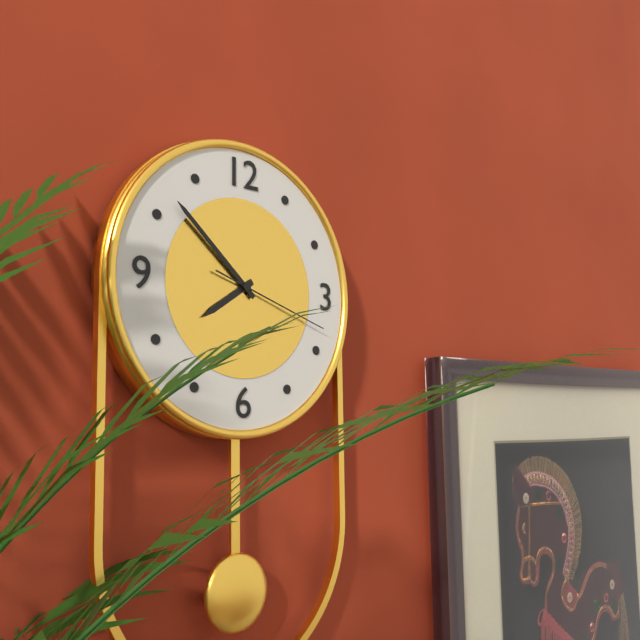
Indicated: 7,52,18
